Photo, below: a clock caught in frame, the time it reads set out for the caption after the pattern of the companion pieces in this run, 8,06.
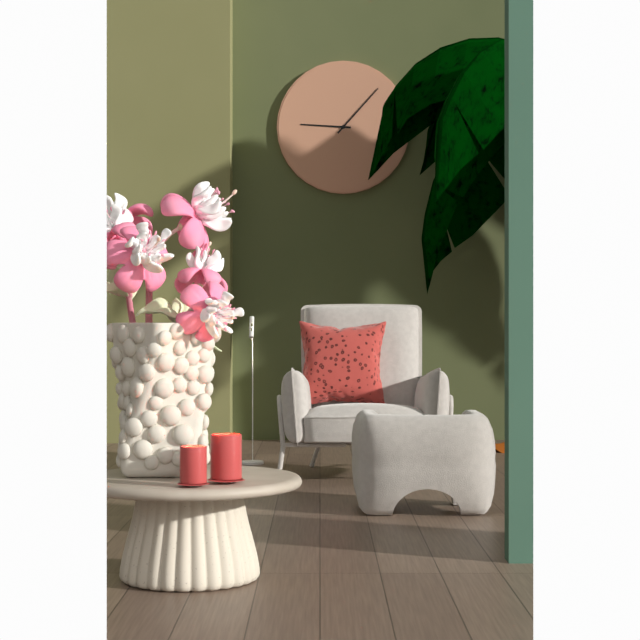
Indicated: 9,07
